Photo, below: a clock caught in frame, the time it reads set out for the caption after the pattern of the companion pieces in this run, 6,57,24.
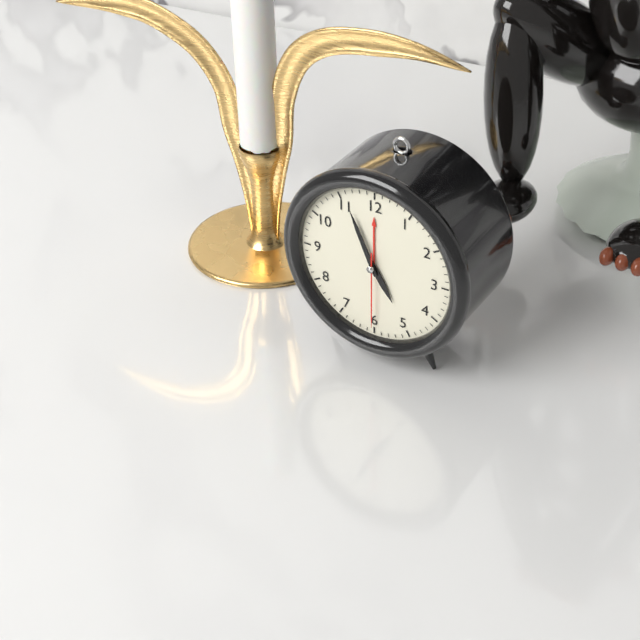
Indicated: 4,56,30
